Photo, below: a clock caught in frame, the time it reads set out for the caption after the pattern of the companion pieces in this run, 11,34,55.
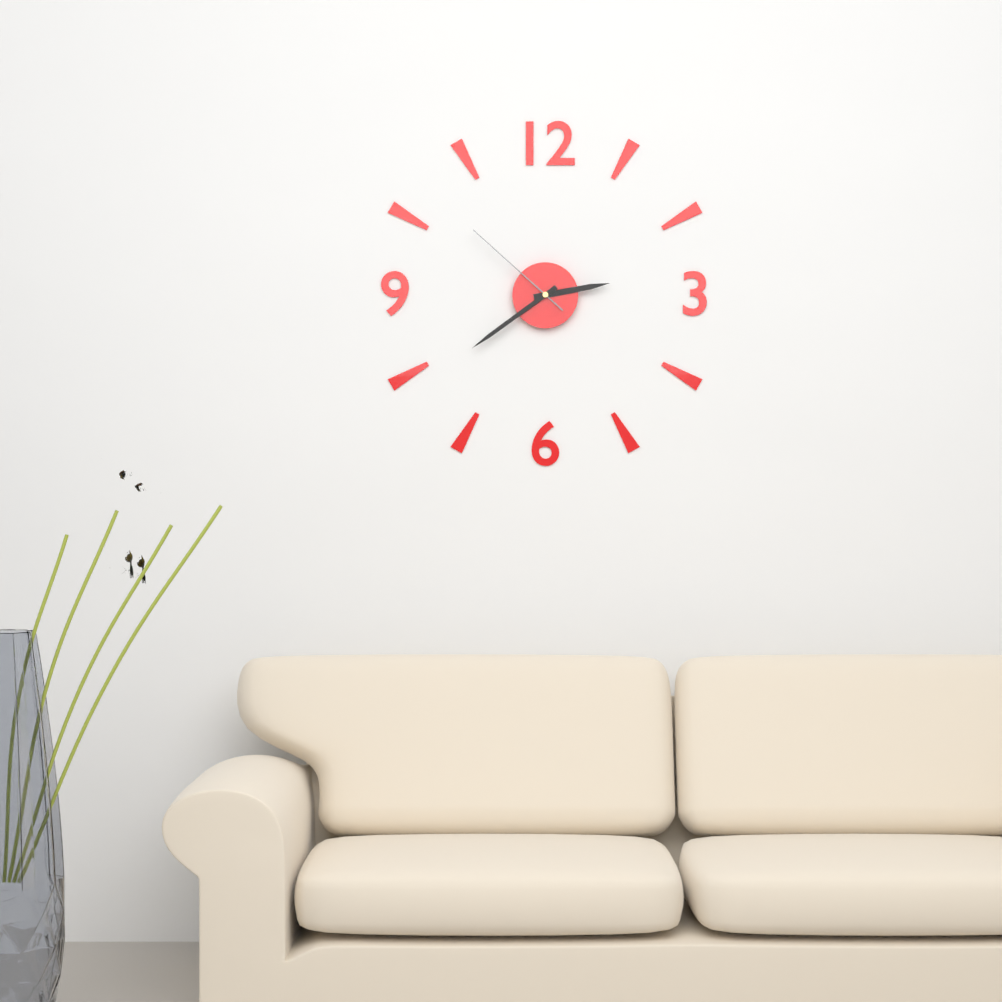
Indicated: 2,39,52
